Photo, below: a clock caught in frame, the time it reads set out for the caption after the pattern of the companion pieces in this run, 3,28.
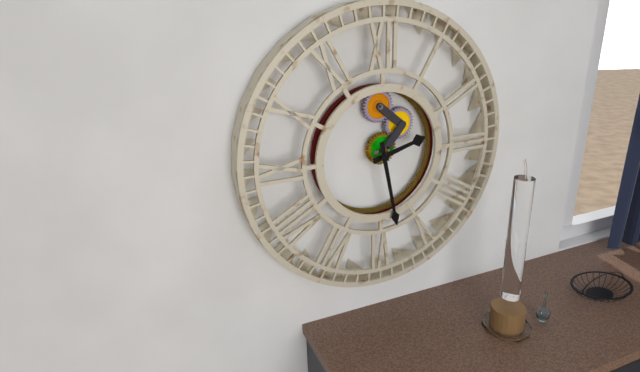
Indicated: 2,28
